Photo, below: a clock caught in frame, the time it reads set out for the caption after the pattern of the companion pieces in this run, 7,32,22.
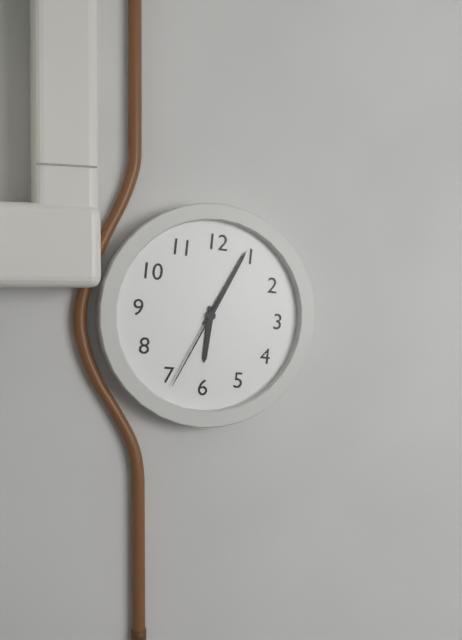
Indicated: 6,04,34
